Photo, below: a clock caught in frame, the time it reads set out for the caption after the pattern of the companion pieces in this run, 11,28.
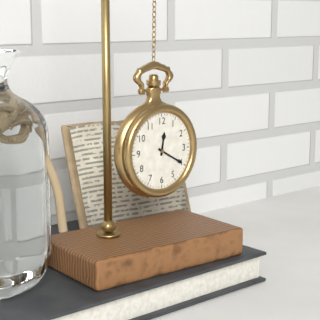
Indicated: 12,20
